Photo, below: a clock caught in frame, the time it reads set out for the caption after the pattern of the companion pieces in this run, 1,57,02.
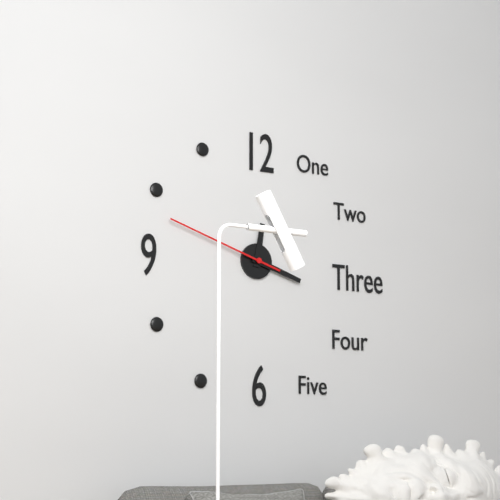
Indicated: 12,18,48
